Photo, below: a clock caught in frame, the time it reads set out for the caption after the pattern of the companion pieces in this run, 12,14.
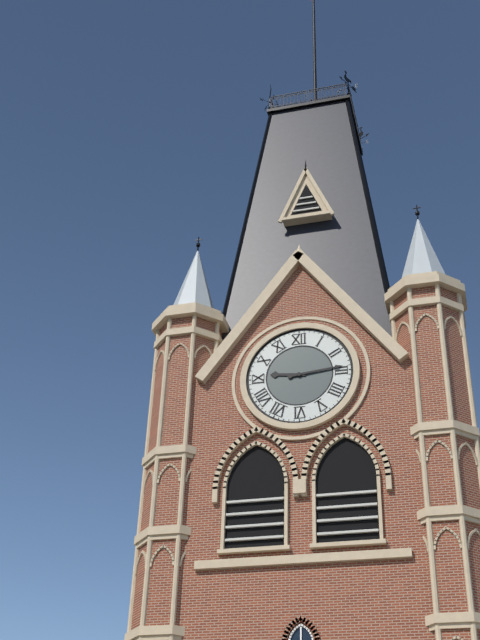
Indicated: 9,14
